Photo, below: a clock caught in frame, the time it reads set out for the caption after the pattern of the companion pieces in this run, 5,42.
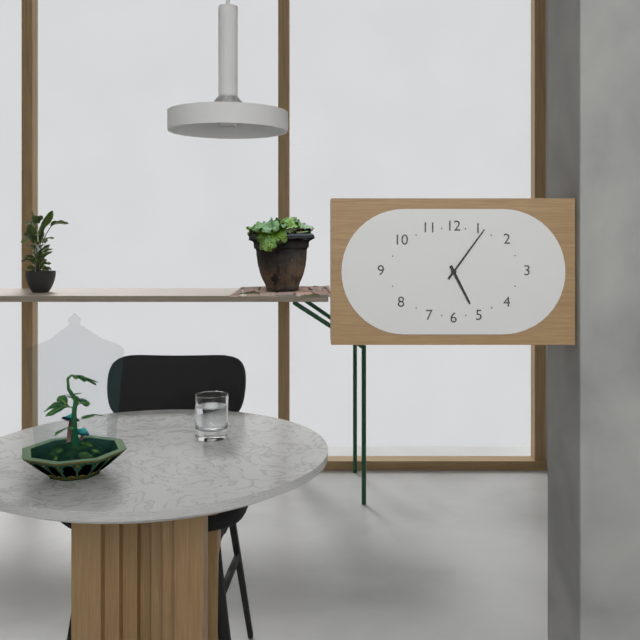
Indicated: 5,06
